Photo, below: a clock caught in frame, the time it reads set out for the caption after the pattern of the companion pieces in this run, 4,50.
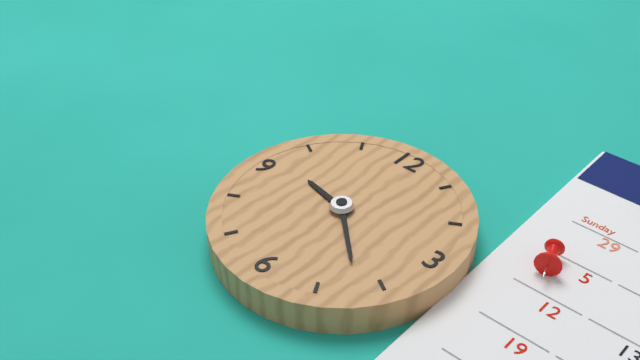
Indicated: 9,22
